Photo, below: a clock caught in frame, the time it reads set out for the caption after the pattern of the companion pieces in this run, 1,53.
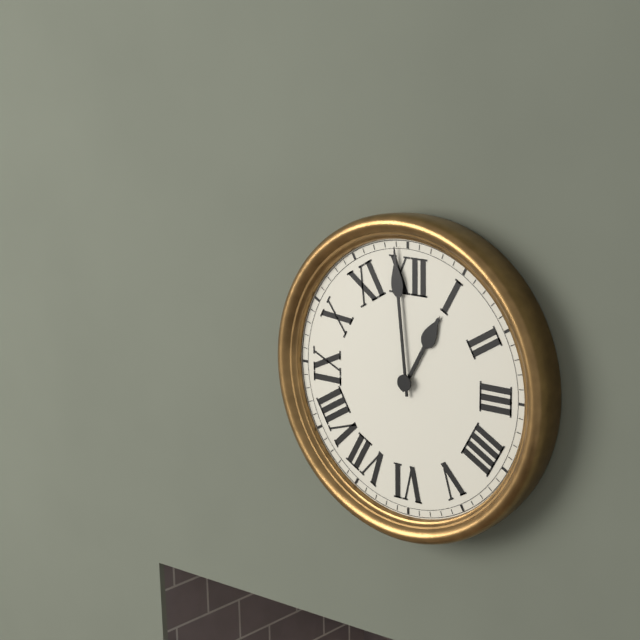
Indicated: 12,59
